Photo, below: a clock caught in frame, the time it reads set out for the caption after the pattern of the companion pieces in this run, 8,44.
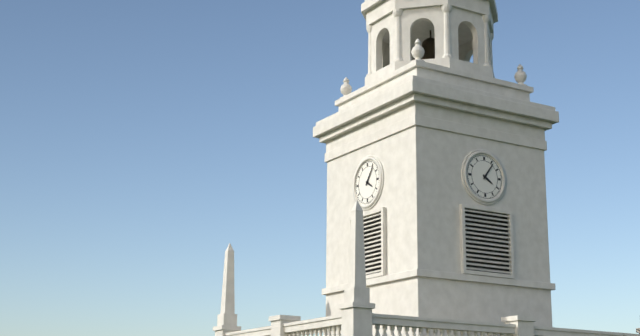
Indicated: 4,06
